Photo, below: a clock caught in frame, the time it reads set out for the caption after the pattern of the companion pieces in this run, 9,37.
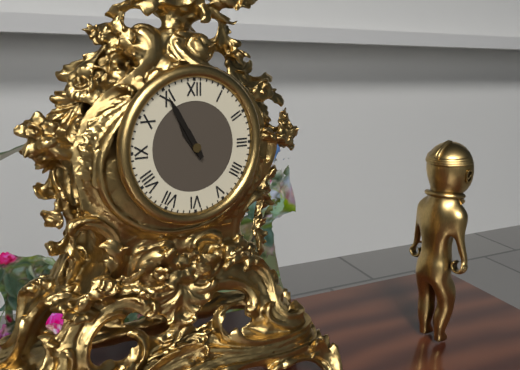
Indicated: 10,55
